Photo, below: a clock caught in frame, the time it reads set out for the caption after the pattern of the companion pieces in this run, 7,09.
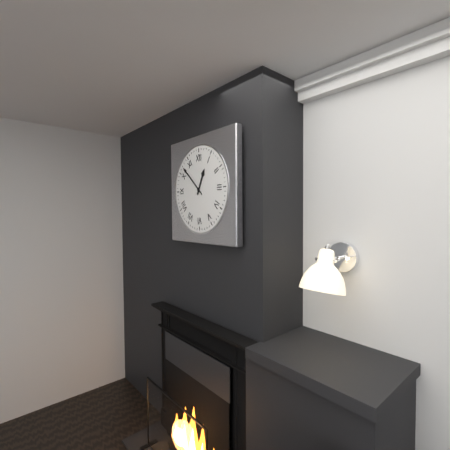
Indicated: 12,52
